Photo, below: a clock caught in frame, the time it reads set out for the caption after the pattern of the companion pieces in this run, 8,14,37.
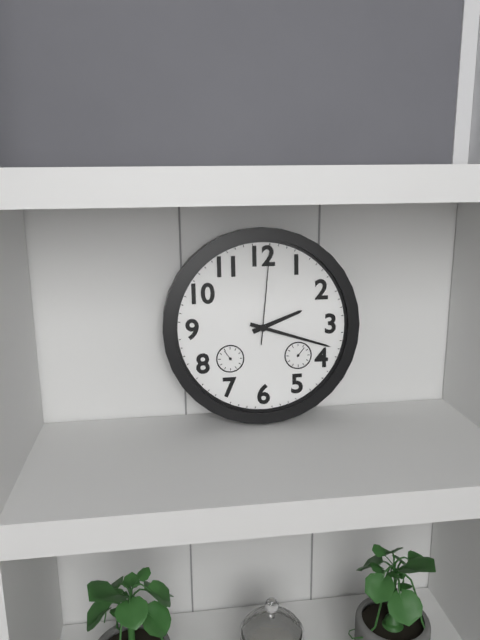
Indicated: 2,18,01
